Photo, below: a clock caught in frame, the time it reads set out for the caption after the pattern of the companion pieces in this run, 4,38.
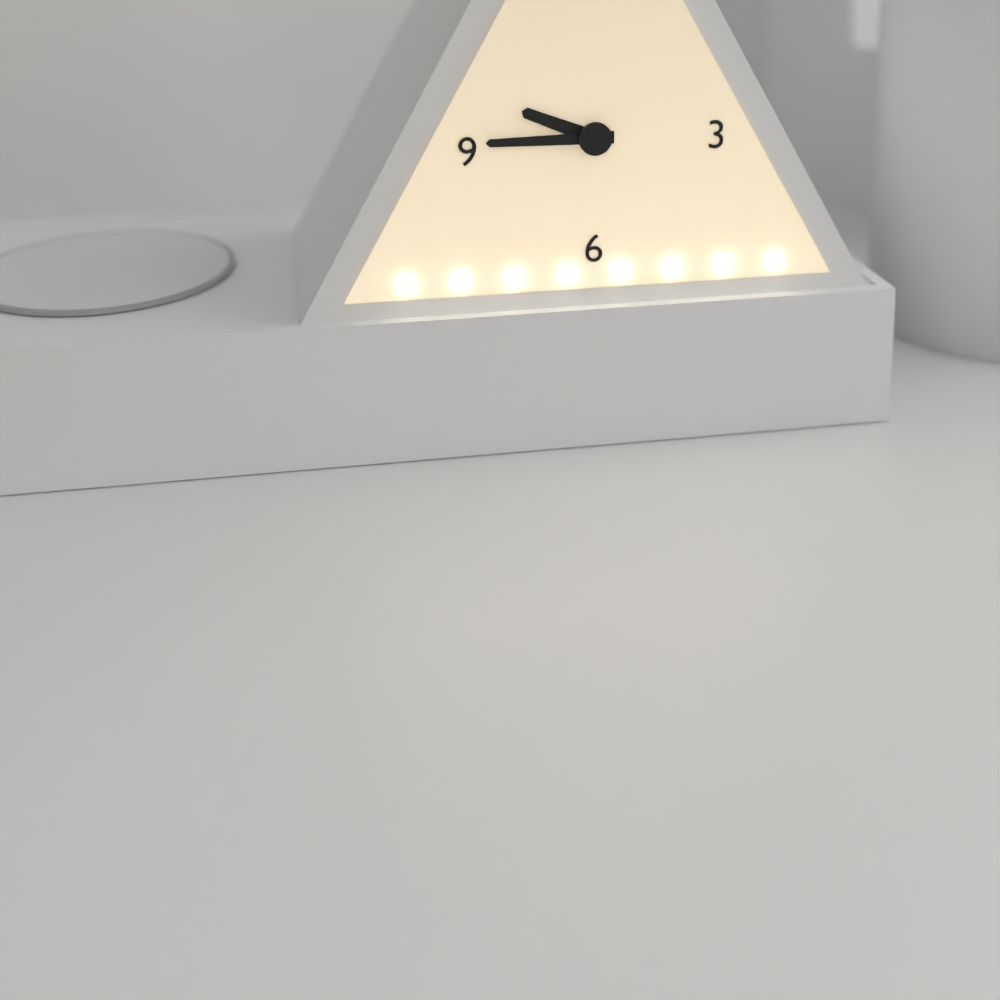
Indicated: 9,45
